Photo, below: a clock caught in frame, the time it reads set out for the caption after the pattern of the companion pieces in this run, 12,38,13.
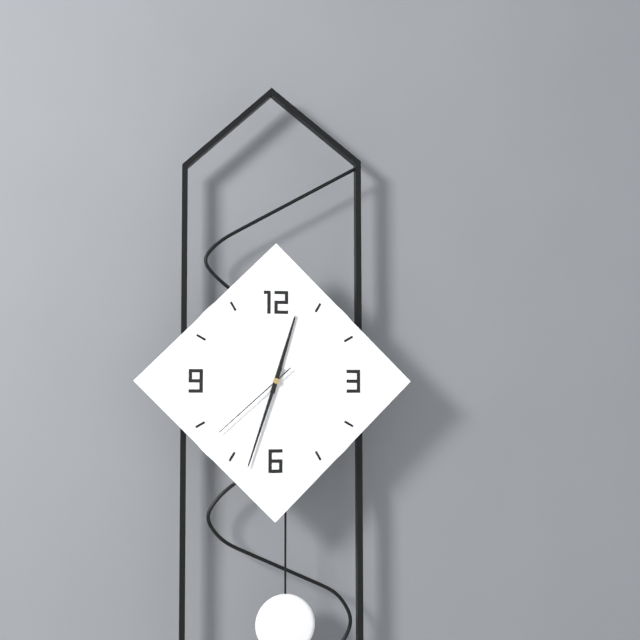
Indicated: 12,33,38
